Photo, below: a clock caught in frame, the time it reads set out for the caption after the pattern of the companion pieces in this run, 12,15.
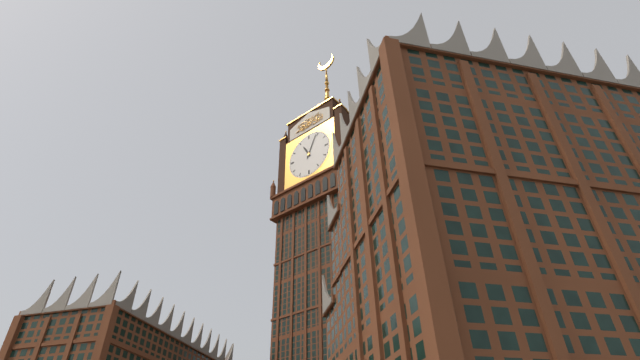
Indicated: 11,04
